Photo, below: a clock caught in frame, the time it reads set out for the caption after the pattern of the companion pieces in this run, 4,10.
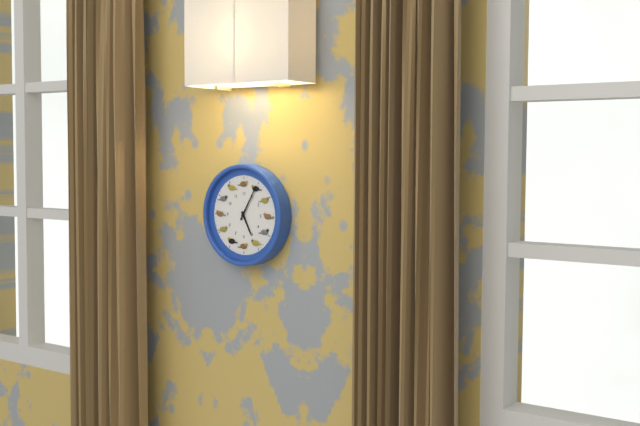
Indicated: 5,05
